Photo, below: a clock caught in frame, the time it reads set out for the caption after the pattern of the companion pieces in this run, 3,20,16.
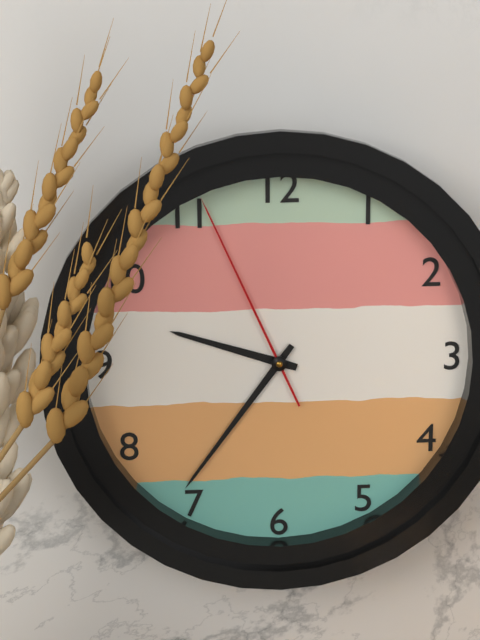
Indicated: 9,36,56
